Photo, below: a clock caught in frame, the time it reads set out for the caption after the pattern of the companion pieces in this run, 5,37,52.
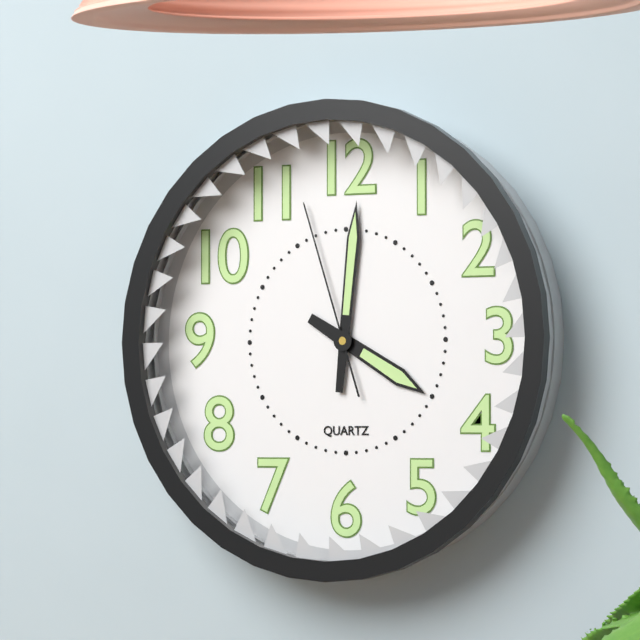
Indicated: 4,01,57
